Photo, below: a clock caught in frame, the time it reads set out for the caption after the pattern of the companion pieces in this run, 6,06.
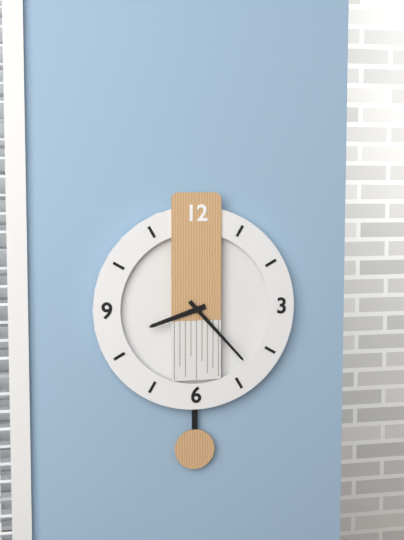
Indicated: 8,23
